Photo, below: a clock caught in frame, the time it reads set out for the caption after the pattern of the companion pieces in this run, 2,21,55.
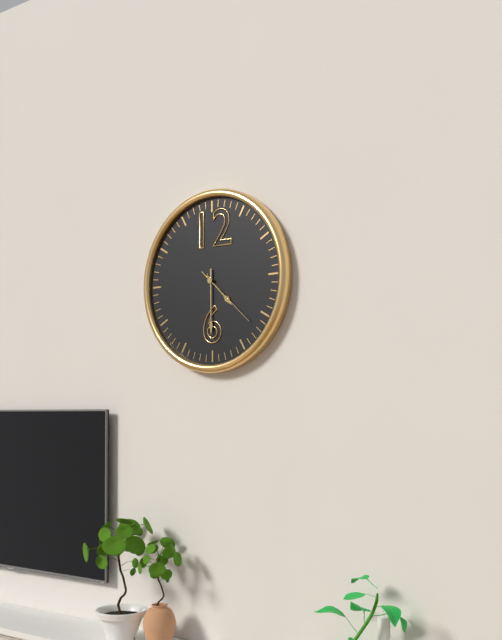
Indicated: 4,30,22
